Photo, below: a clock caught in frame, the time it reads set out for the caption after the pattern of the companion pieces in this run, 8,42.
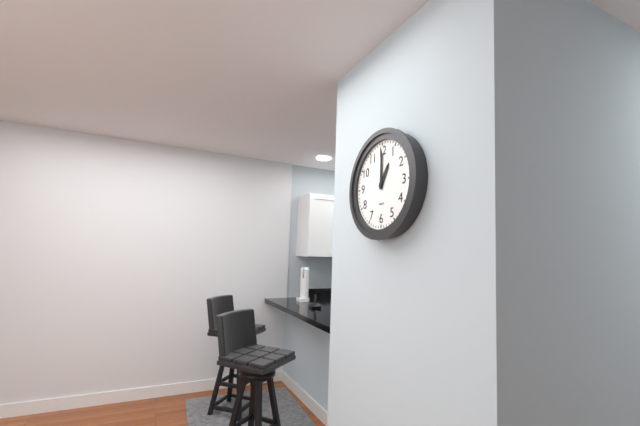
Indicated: 1,00
